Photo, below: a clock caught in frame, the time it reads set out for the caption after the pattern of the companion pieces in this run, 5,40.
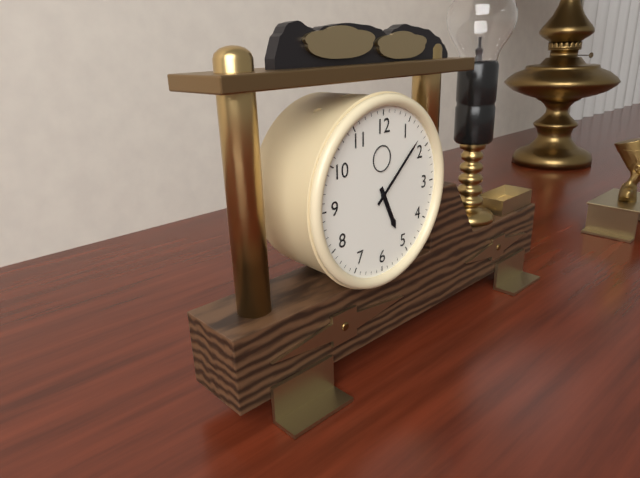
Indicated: 5,08
